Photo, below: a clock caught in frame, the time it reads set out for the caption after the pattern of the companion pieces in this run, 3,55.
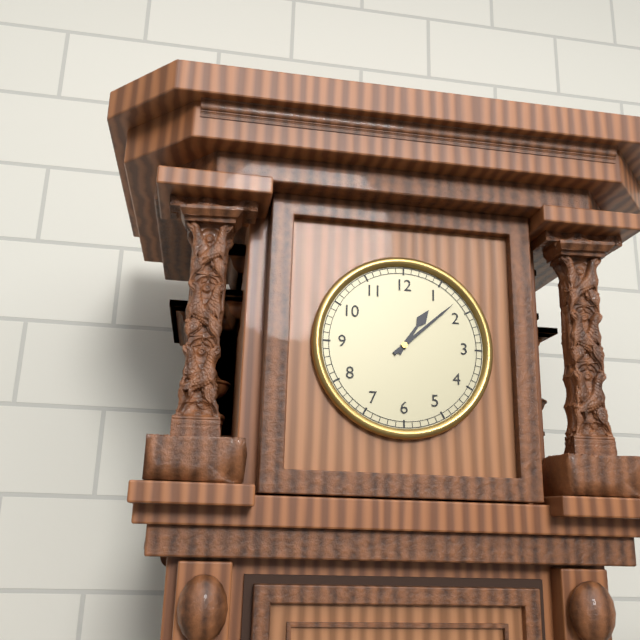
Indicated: 1,08
